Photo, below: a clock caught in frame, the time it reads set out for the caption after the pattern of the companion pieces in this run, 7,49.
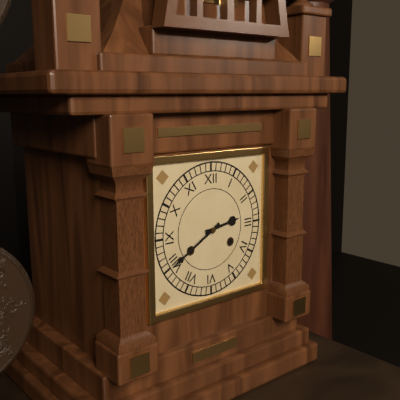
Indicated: 2,40
